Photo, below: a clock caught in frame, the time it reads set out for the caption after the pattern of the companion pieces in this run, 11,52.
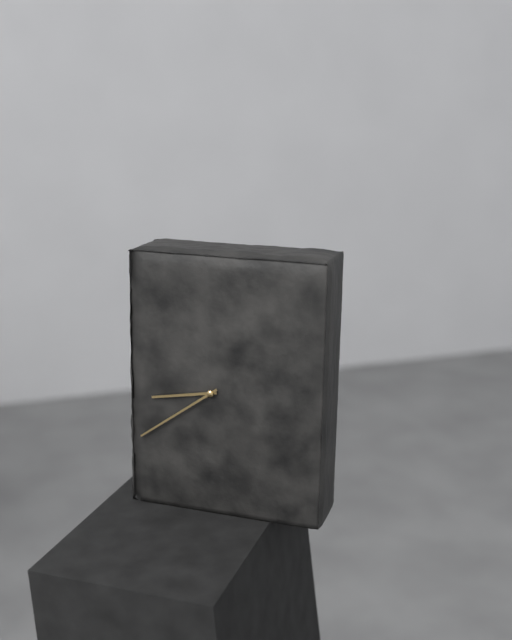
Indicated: 8,39
